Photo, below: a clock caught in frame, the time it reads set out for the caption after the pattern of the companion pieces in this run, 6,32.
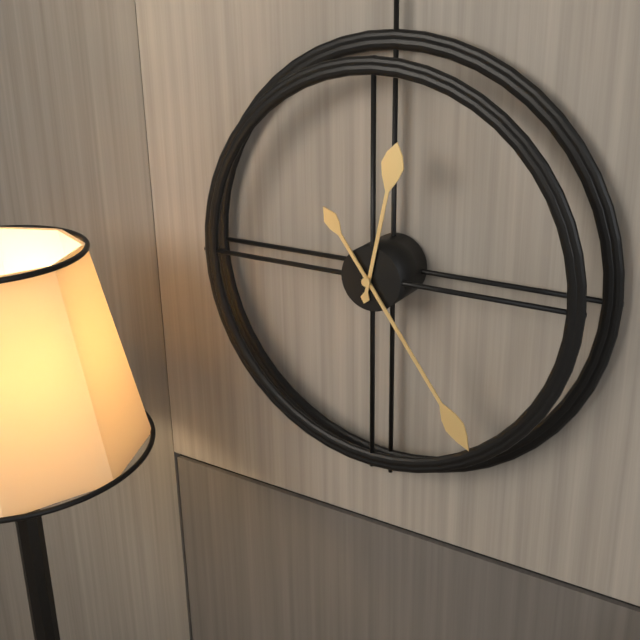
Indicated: 12,24
